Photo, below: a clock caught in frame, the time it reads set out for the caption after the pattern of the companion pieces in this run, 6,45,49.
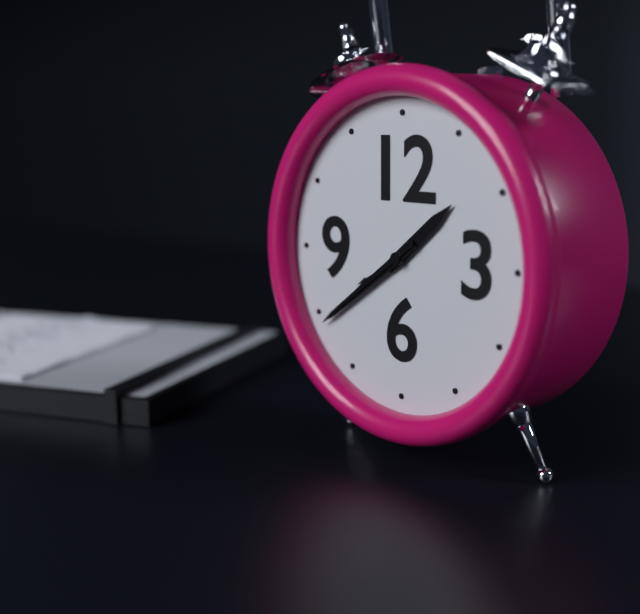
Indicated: 1,39,39
